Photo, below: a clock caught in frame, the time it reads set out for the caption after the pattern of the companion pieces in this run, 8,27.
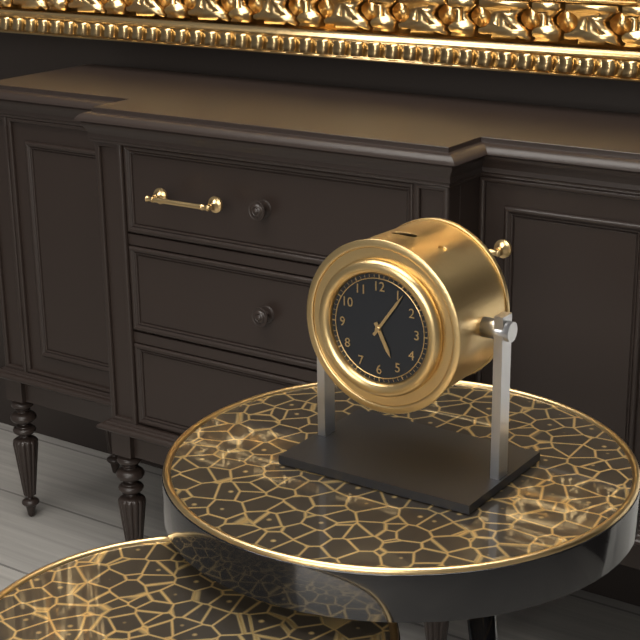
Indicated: 5,06
